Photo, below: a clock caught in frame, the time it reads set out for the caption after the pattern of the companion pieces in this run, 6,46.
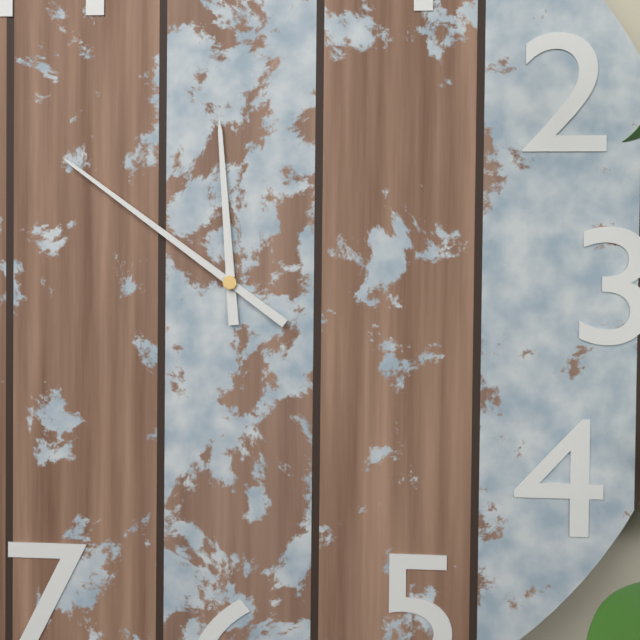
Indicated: 11,51
